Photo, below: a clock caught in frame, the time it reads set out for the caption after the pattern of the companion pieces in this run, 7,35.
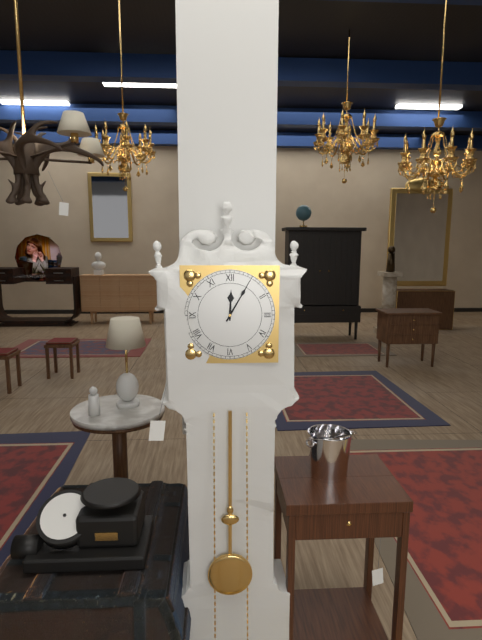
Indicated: 12,05
